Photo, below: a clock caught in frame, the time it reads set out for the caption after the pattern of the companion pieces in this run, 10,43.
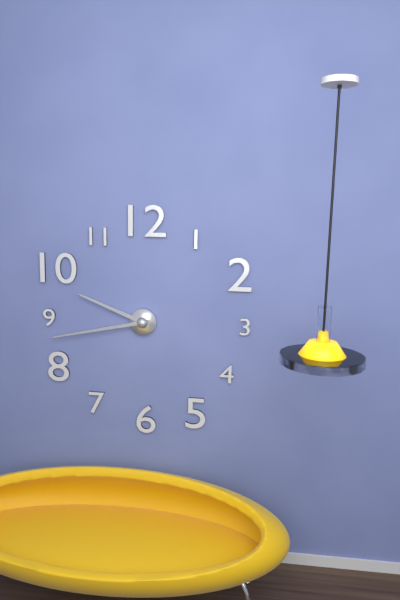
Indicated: 9,43
